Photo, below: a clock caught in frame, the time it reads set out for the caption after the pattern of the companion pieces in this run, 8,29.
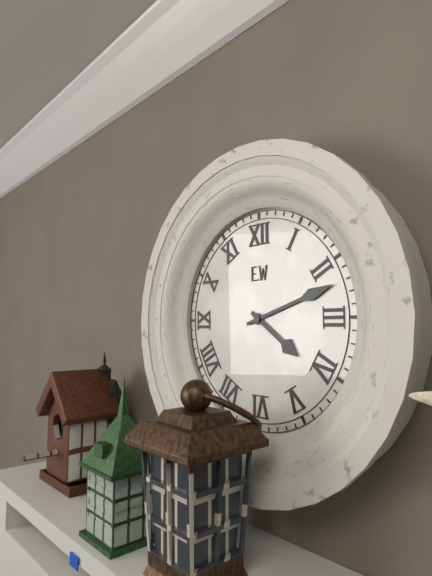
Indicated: 4,12
